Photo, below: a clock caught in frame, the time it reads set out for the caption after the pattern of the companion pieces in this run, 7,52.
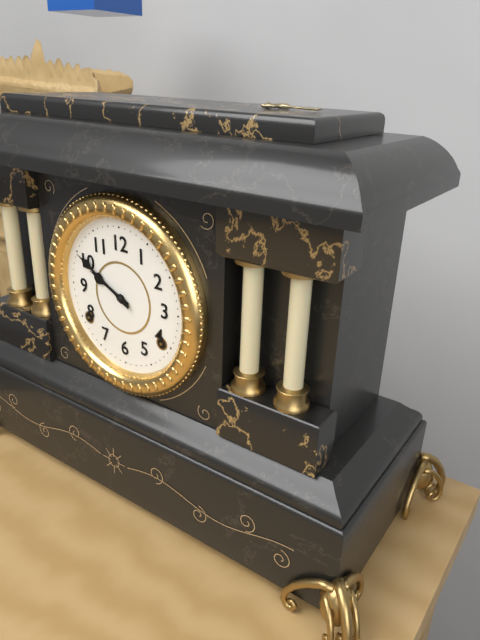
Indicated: 9,50
